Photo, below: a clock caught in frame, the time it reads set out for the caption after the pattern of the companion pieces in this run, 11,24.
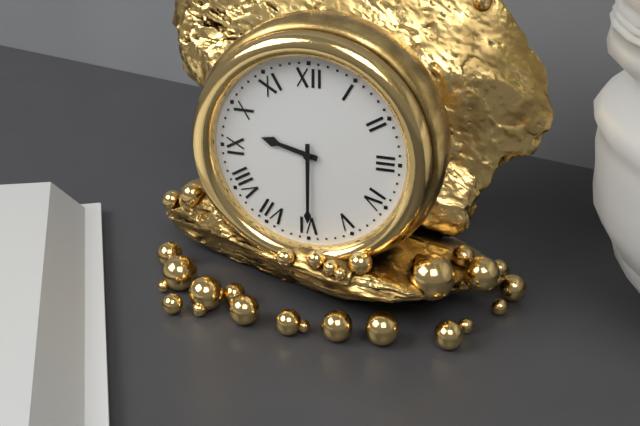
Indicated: 9,30
